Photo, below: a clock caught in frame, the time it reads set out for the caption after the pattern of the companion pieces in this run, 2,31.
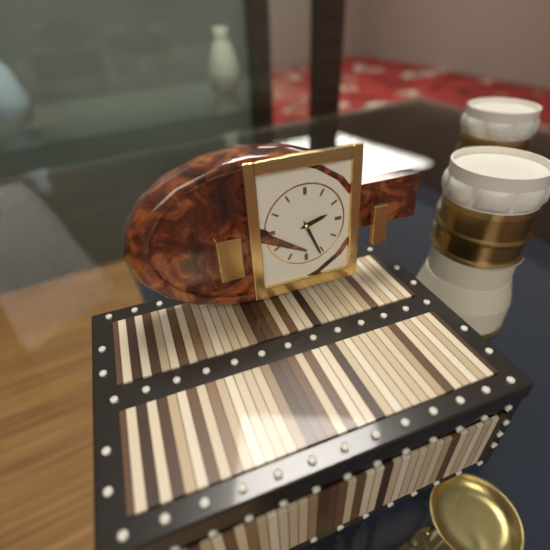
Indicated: 2,26
